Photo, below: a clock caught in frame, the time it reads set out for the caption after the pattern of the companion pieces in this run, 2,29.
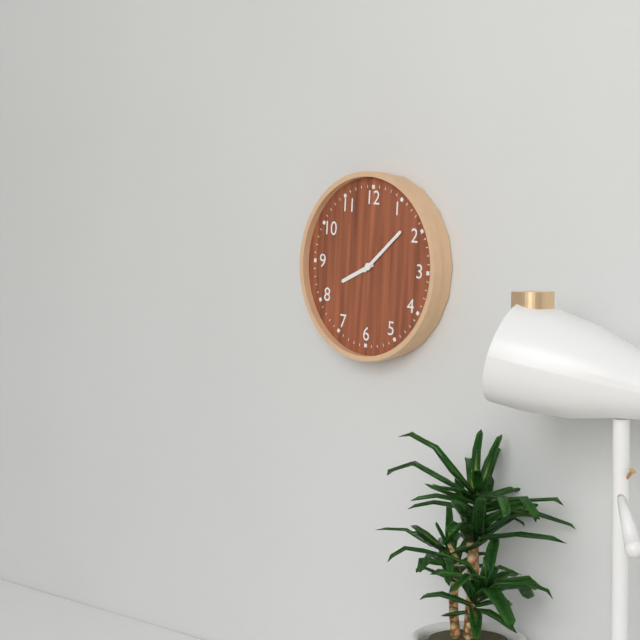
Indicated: 8,08
